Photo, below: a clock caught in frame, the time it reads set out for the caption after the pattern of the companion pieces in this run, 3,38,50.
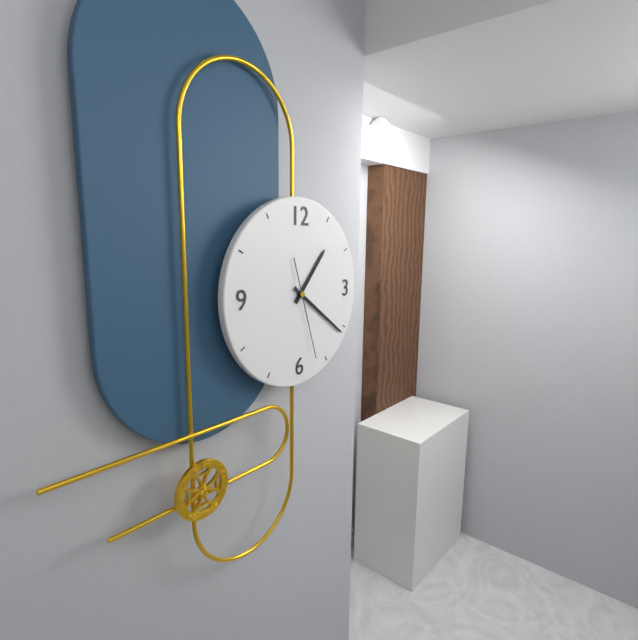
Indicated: 1,21,27
